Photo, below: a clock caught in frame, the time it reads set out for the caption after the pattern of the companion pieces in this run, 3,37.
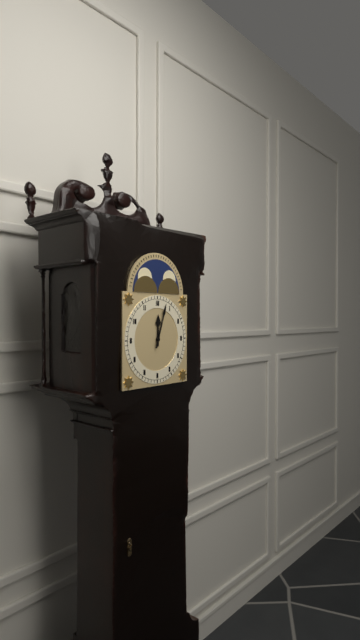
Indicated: 12,03
